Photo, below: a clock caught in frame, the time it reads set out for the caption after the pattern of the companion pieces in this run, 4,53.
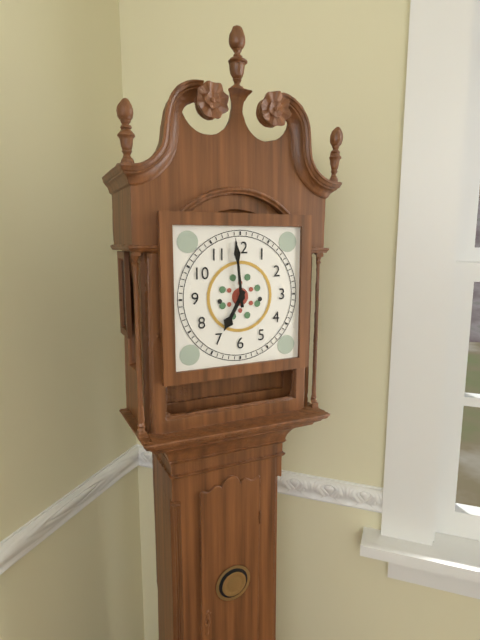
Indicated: 6,59
